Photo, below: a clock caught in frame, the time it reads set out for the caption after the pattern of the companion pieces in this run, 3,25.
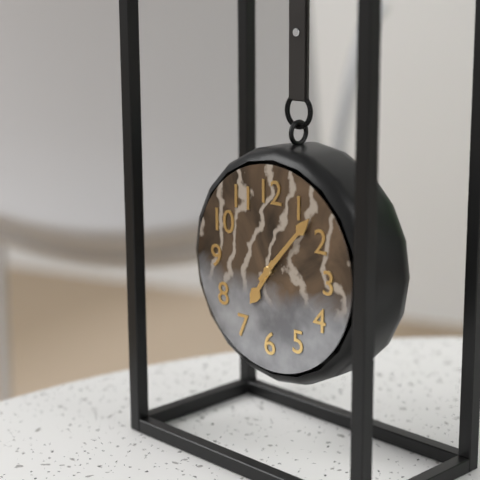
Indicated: 7,07
